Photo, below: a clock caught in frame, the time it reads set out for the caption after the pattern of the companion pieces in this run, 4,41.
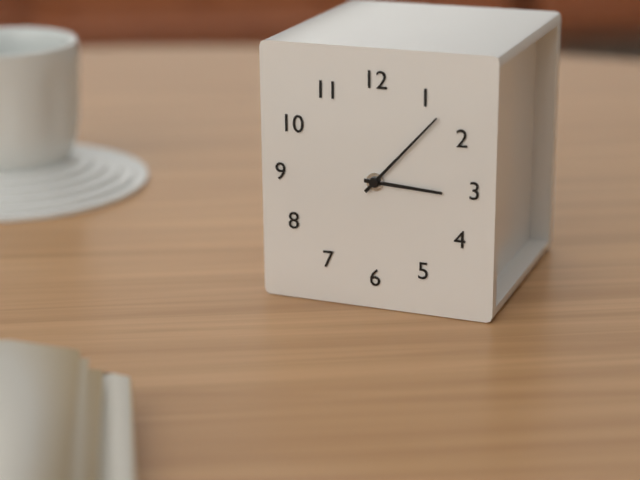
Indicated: 3,07
